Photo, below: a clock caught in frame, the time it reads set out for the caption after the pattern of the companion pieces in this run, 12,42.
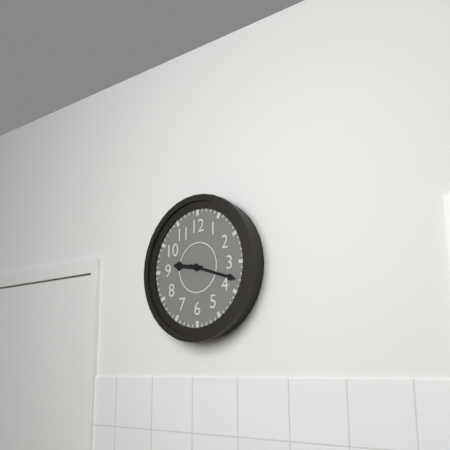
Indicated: 9,18
